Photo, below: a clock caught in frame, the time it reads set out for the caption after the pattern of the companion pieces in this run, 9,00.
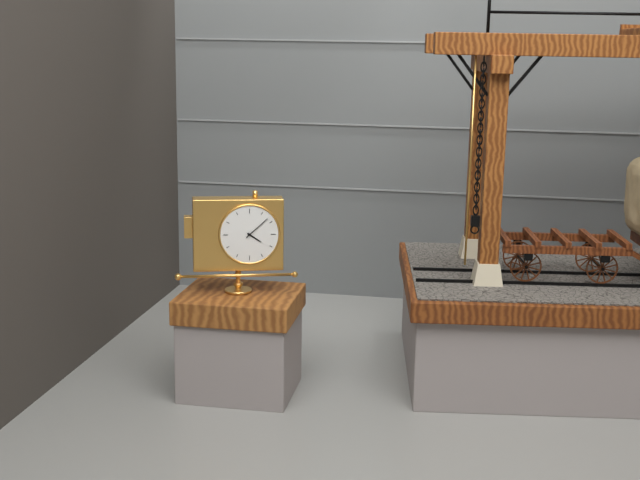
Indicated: 4,08
